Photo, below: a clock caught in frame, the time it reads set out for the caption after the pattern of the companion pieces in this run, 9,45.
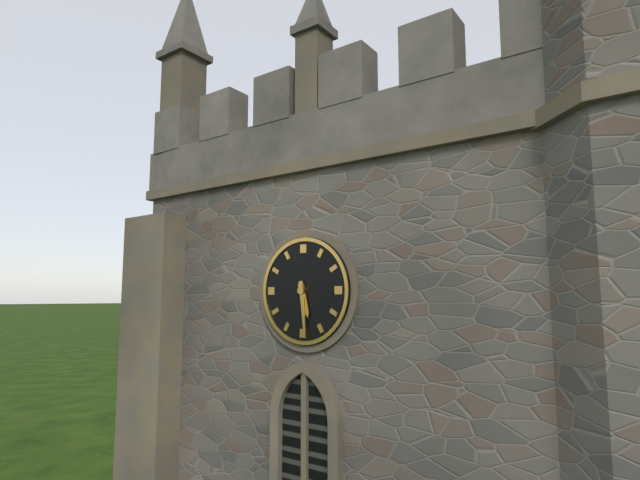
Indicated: 5,29
